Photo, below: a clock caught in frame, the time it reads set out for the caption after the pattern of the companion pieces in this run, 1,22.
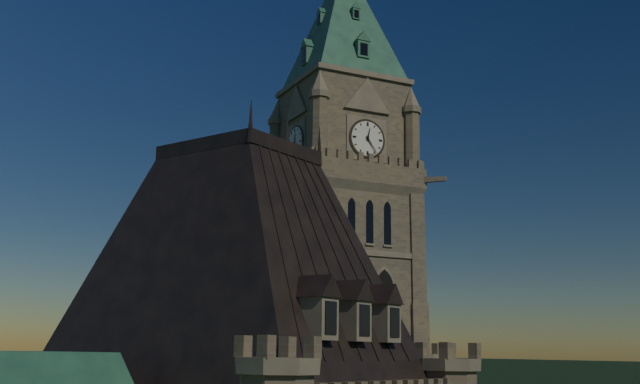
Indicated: 12,24
